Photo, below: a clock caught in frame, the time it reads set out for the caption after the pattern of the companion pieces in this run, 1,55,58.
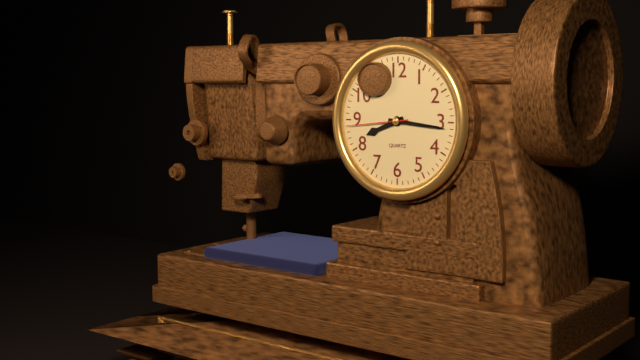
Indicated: 8,16,44
